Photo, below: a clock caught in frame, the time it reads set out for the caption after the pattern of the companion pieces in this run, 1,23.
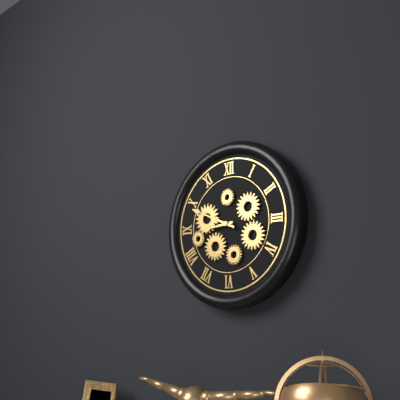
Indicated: 8,49
